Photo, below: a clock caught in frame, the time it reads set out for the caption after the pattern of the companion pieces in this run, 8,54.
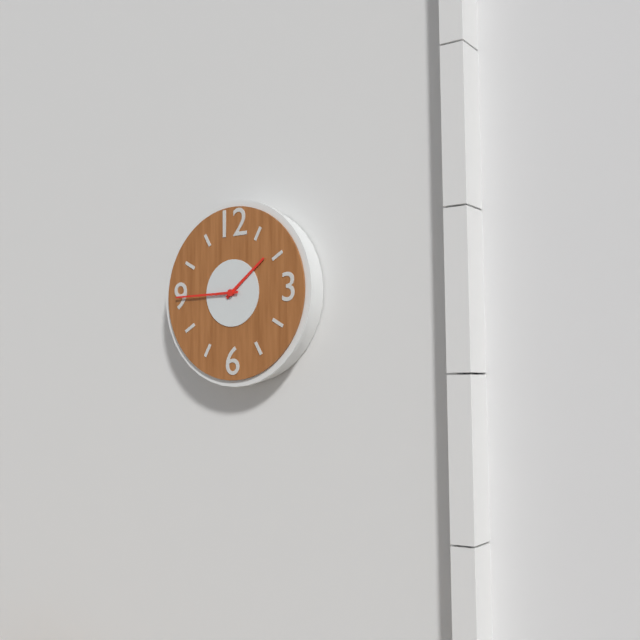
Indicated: 1,45
